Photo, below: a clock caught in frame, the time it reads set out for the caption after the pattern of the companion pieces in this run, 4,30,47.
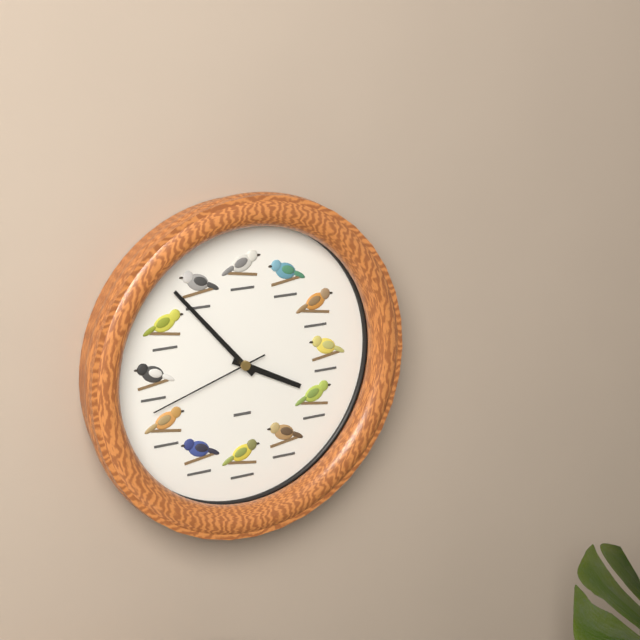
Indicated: 3,53,42
